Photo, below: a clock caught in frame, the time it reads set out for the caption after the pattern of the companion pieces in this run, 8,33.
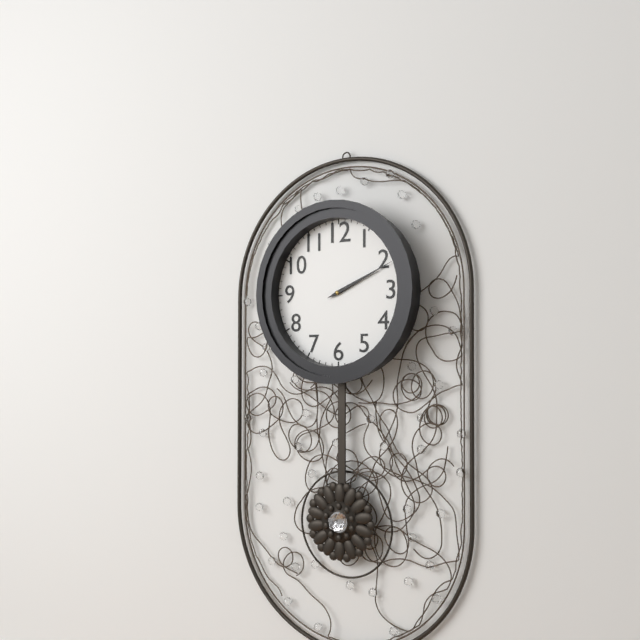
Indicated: 2,11
